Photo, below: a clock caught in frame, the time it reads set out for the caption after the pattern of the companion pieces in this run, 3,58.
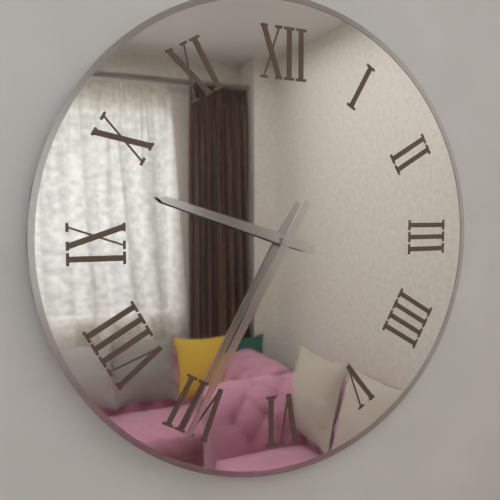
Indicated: 9,35
